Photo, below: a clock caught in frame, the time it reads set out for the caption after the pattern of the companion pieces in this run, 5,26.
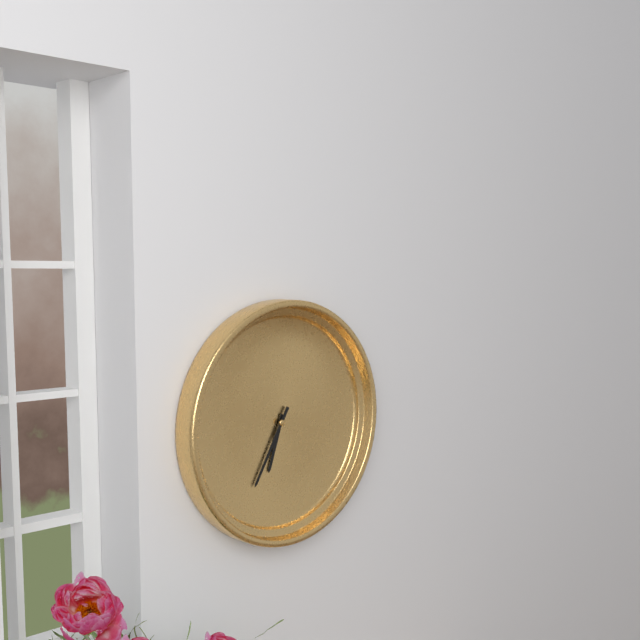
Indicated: 6,35
